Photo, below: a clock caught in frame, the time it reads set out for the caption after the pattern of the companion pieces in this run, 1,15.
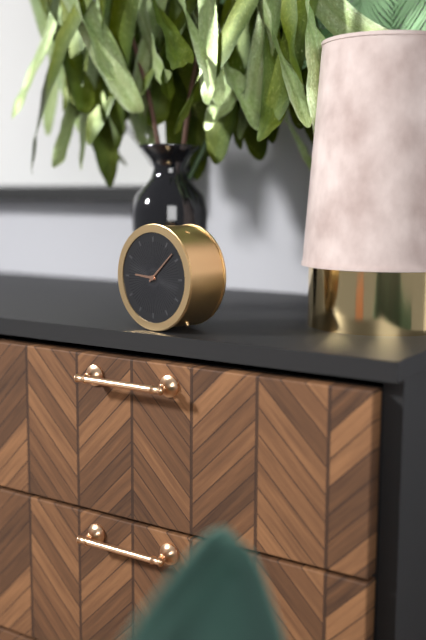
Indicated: 9,08
